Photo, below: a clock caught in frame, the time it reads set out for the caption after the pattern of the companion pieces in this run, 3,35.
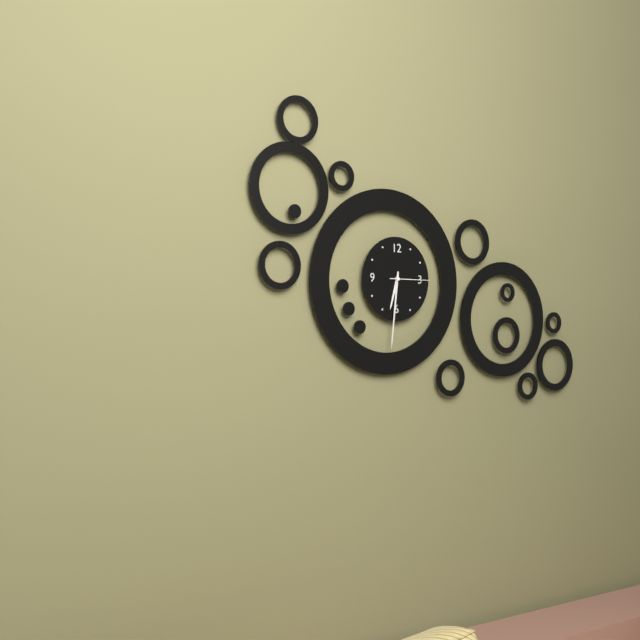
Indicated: 6,31
